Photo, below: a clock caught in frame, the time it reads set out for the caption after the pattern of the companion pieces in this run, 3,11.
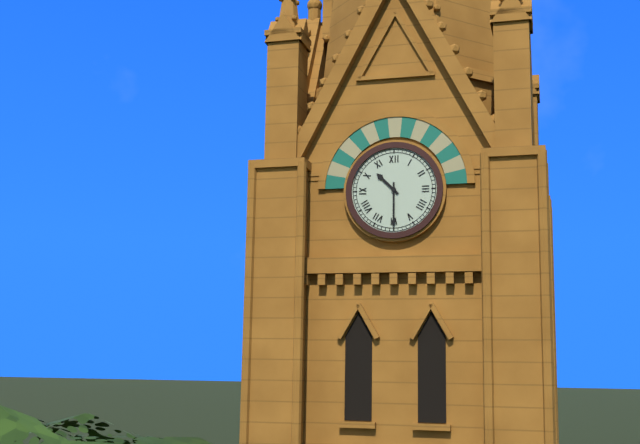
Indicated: 10,30
